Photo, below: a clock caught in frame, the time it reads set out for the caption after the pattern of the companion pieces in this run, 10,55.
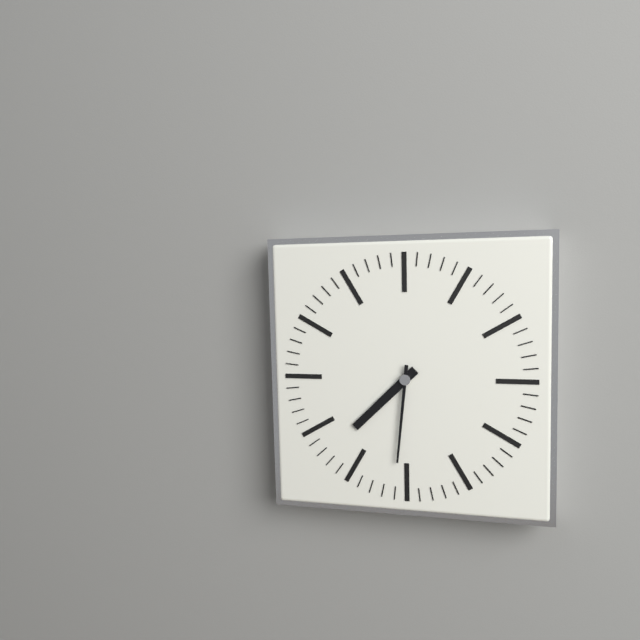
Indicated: 7,31
